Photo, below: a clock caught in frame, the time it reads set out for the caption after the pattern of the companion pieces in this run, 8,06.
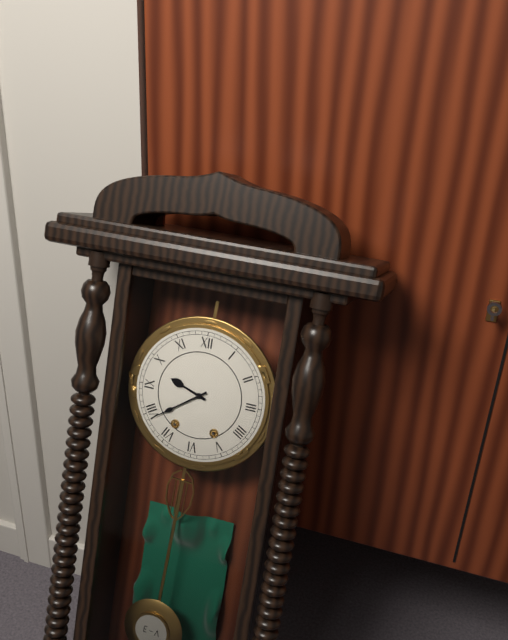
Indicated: 9,39
